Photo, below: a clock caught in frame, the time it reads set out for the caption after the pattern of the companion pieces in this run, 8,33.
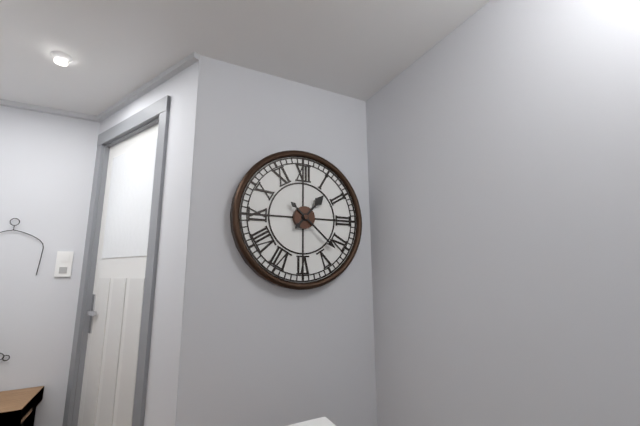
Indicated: 1,22
